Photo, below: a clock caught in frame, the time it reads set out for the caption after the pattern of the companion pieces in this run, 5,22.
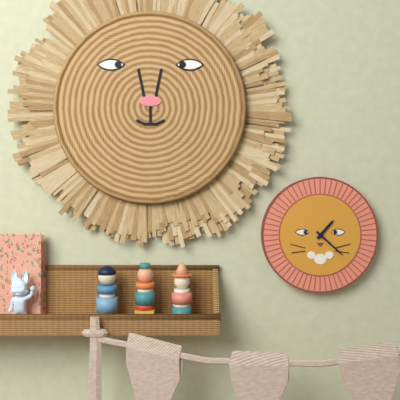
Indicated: 1,22
